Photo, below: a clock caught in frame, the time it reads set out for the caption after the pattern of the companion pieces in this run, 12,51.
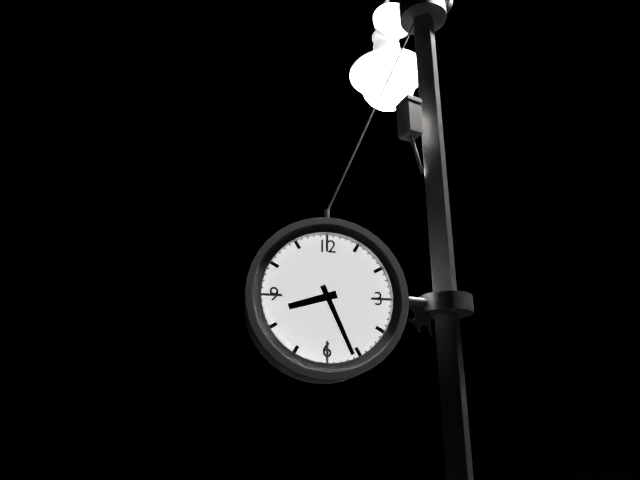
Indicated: 8,26
